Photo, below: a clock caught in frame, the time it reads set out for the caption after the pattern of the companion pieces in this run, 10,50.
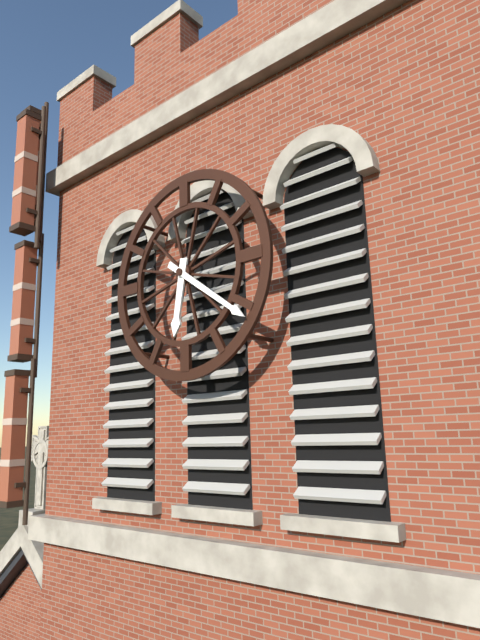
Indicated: 6,21
